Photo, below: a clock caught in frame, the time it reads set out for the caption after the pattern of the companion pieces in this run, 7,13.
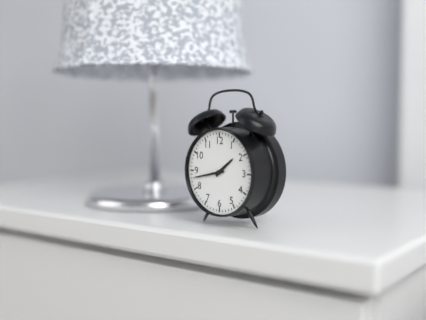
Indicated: 1,43
